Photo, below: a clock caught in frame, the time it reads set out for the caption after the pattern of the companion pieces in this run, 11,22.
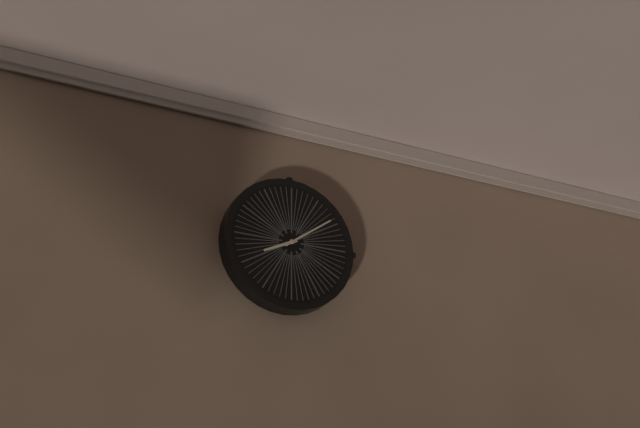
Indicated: 8,09
